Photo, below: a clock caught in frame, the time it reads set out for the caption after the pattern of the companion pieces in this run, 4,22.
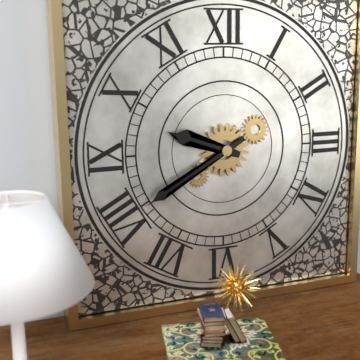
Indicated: 9,40
